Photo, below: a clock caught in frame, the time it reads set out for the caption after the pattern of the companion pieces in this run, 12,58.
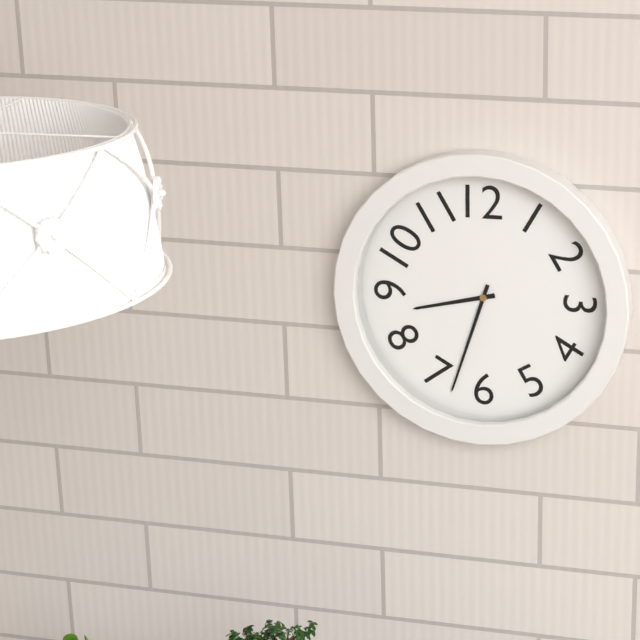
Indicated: 8,33
